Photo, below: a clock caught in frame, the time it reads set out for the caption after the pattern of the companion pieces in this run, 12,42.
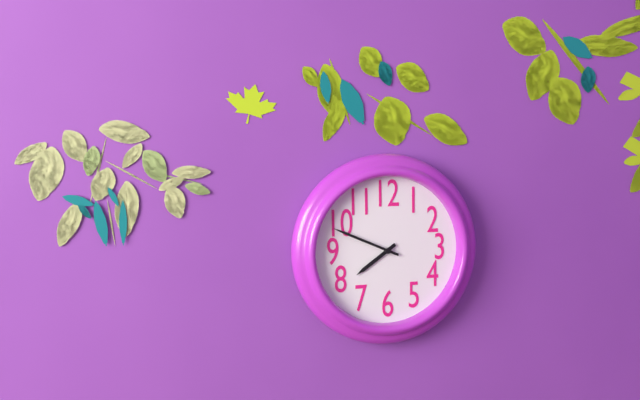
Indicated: 7,49
